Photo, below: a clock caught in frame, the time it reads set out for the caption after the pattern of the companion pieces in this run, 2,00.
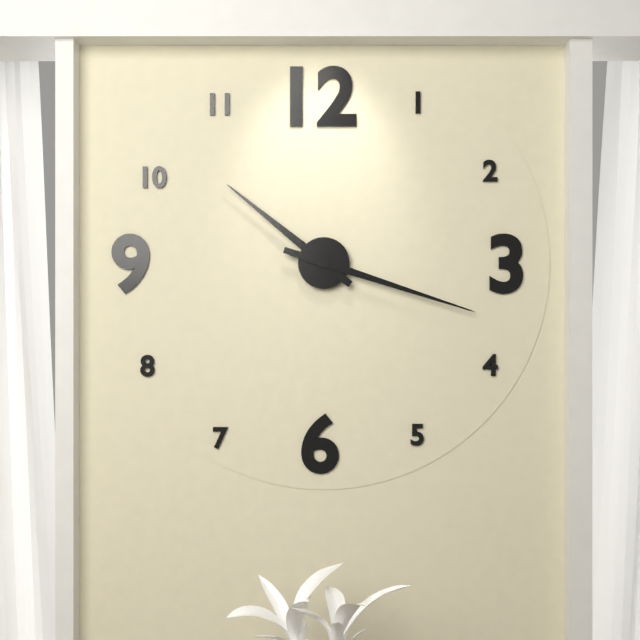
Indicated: 10,18
